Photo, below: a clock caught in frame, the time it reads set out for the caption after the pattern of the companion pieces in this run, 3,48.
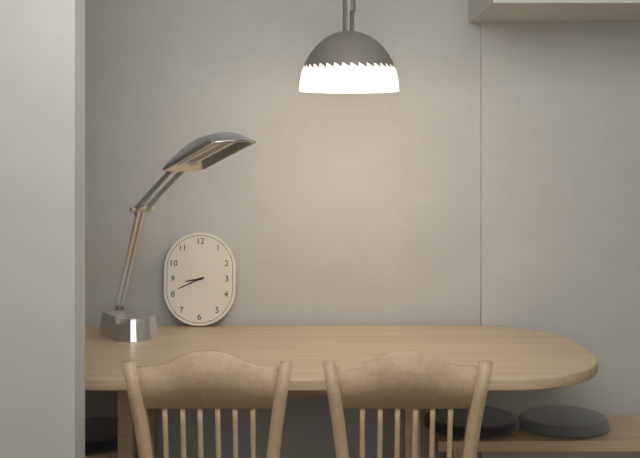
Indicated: 8,41
